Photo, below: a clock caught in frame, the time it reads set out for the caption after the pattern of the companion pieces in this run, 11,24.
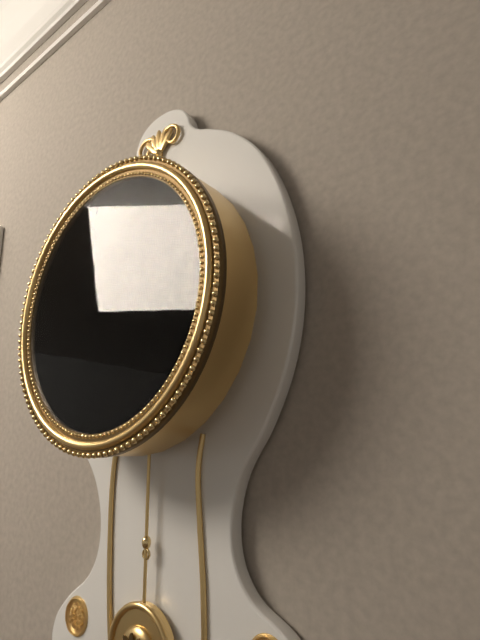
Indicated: 9,42
